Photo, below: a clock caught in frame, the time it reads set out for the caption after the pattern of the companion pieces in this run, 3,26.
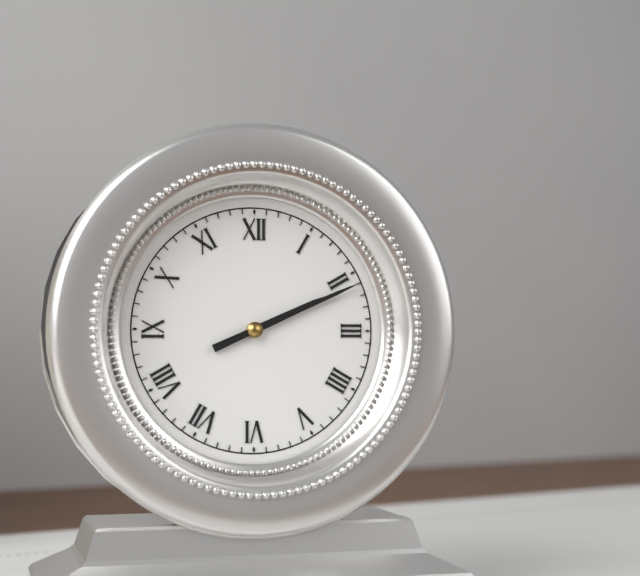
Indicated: 2,11
